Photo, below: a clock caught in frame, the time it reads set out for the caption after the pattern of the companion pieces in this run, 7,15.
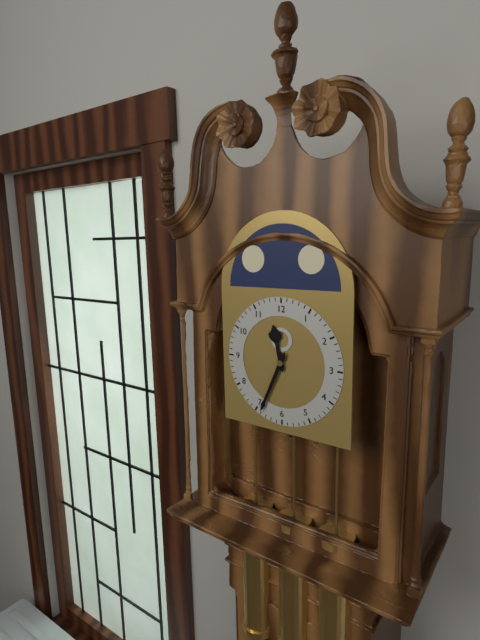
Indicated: 11,34
